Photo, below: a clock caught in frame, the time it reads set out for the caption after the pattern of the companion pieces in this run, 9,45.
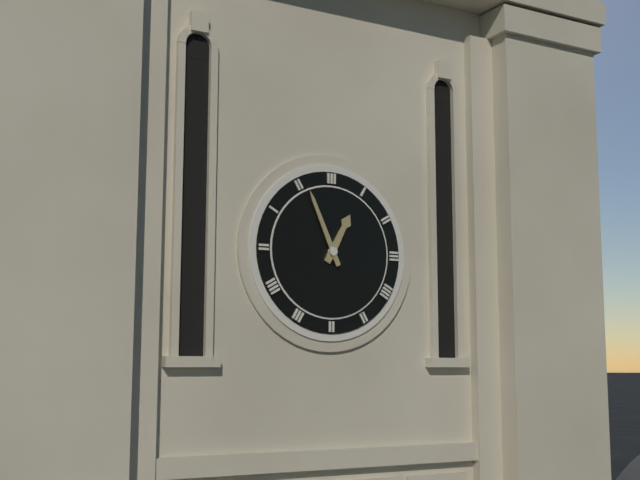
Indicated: 12,56
